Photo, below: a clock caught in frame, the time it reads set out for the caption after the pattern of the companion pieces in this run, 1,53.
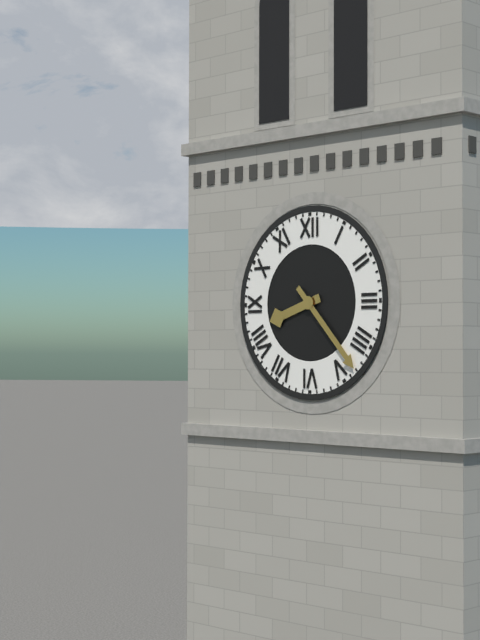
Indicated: 8,23
